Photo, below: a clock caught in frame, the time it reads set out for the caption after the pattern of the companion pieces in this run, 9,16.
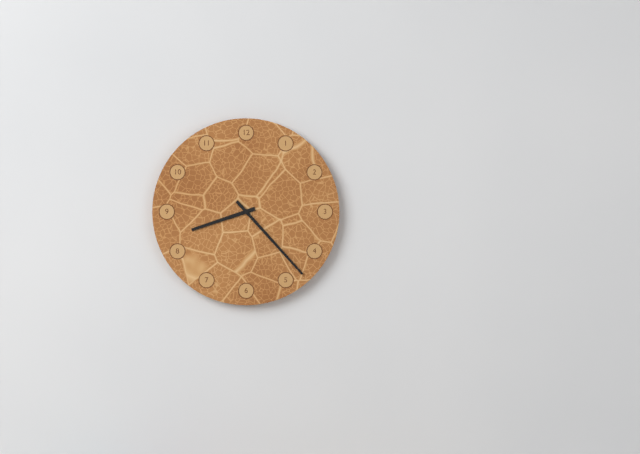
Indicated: 8,23
